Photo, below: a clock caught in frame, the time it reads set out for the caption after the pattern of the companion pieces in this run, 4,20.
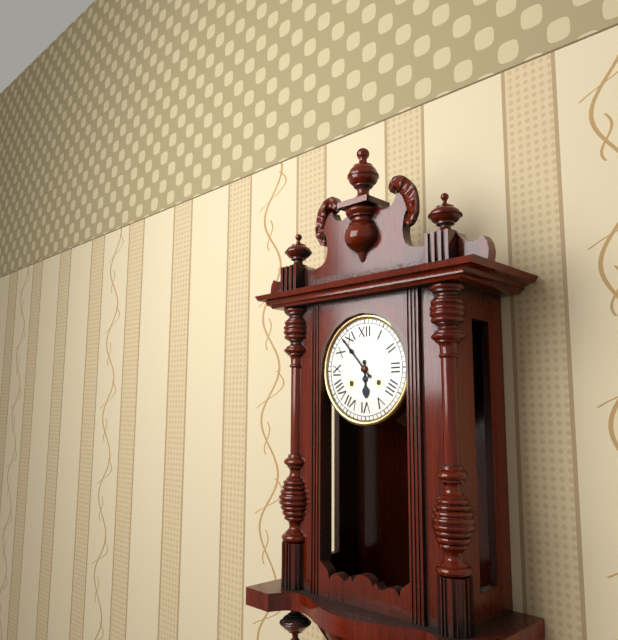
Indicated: 5,53
